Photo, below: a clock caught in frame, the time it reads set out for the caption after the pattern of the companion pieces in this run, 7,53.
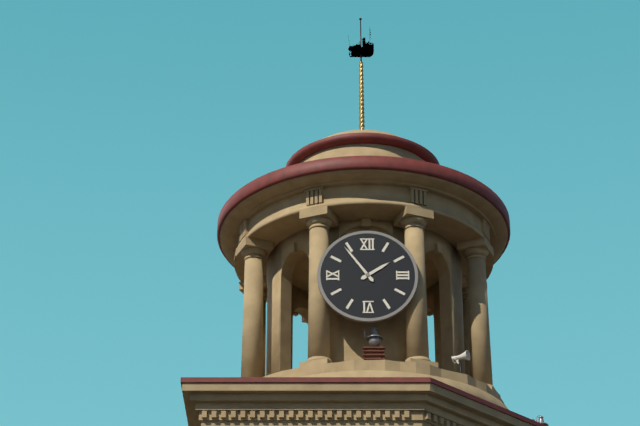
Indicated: 1,54
